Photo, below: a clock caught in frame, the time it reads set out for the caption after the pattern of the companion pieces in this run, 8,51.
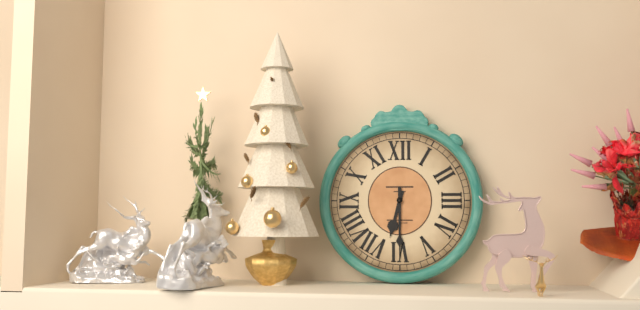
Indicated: 6,30
